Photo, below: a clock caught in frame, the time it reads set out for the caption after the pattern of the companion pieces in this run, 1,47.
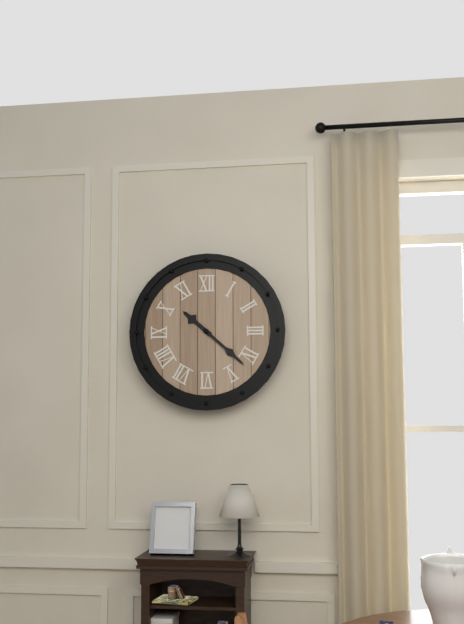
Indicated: 10,22
